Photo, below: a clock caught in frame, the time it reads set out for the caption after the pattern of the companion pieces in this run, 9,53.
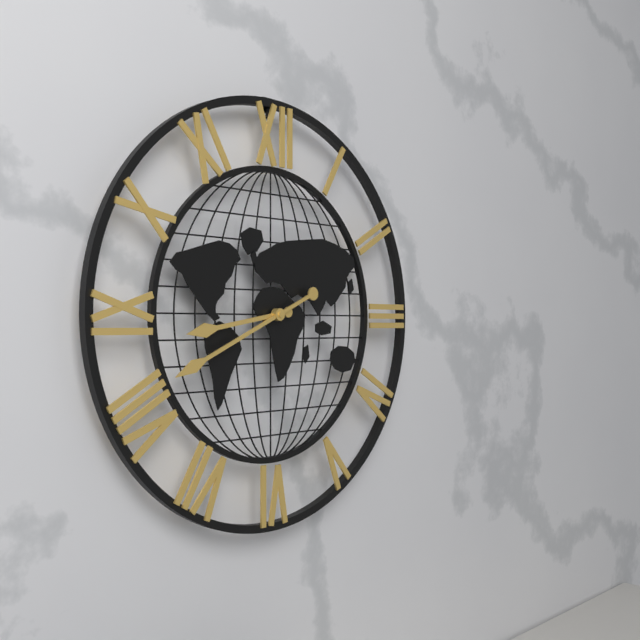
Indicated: 8,41
